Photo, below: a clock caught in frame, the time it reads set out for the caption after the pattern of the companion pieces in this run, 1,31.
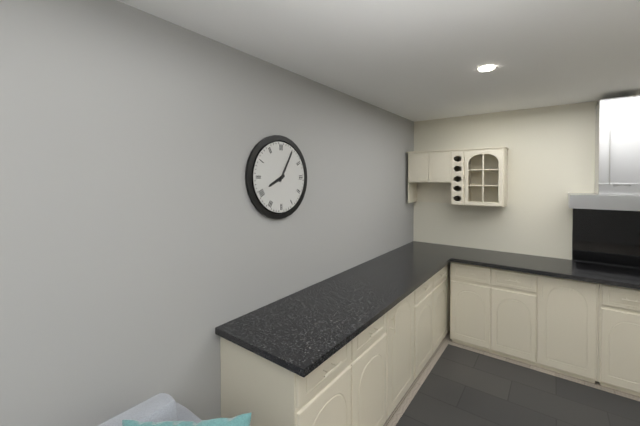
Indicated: 8,05
